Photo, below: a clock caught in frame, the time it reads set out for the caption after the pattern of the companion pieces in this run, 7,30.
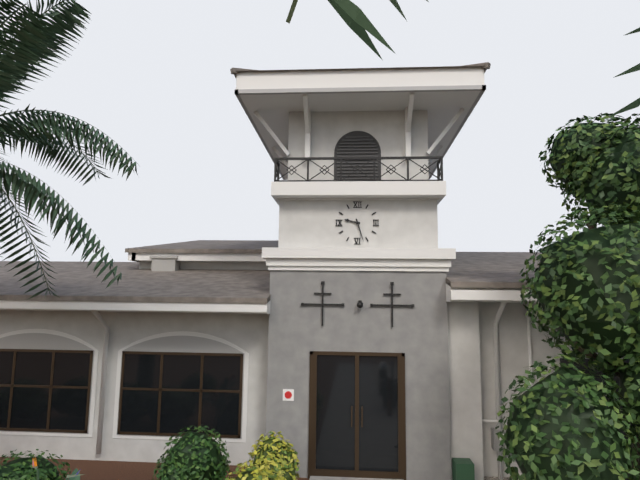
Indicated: 9,27
